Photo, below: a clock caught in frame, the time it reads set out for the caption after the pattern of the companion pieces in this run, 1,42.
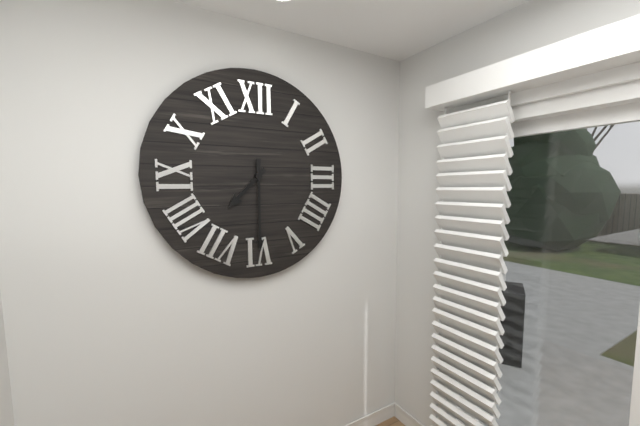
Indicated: 7,30
